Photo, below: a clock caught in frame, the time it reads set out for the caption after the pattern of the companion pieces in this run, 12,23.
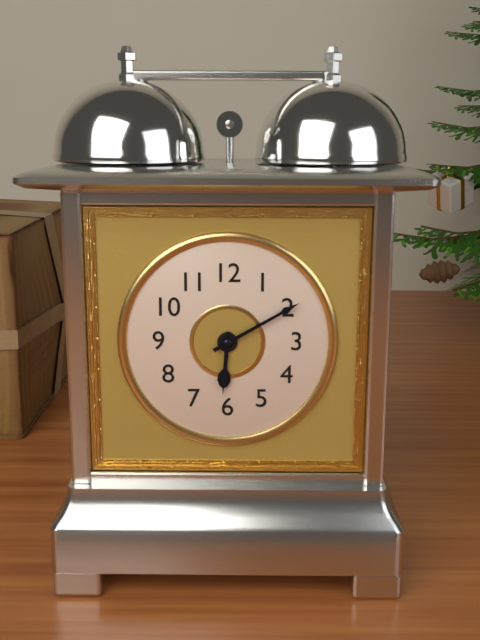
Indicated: 6,10
